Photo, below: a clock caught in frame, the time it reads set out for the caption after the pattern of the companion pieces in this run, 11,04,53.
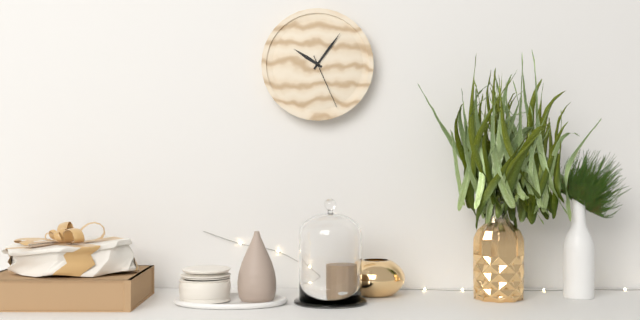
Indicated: 10,06,26
